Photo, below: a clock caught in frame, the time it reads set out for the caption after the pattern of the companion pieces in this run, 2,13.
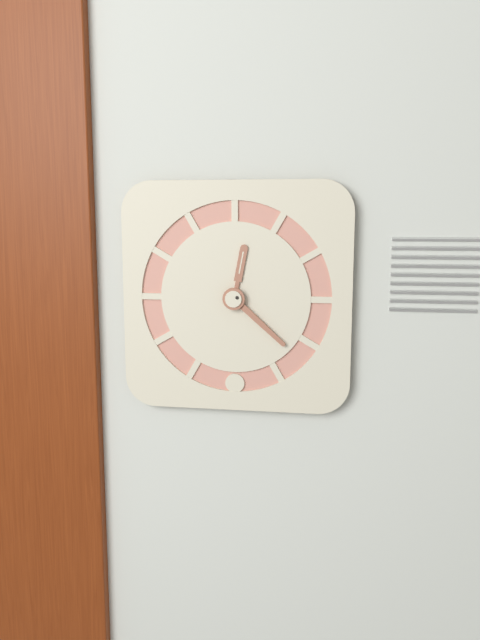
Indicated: 12,22
